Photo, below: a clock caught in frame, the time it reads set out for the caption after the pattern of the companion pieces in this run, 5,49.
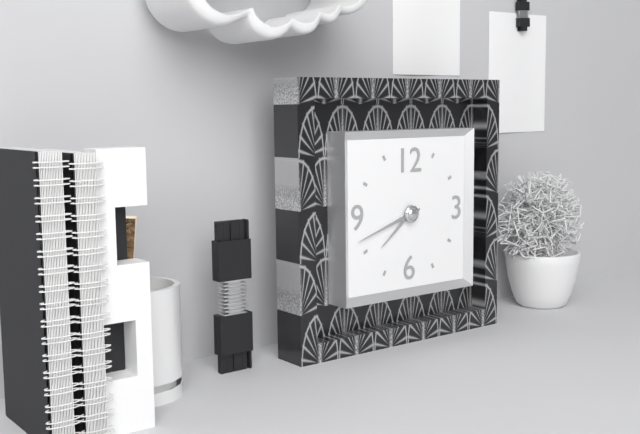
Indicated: 7,42
